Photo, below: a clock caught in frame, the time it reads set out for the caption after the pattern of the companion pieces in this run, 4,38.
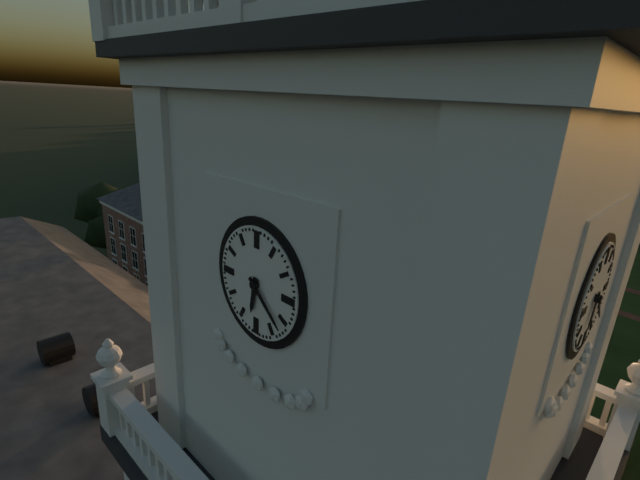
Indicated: 6,22
